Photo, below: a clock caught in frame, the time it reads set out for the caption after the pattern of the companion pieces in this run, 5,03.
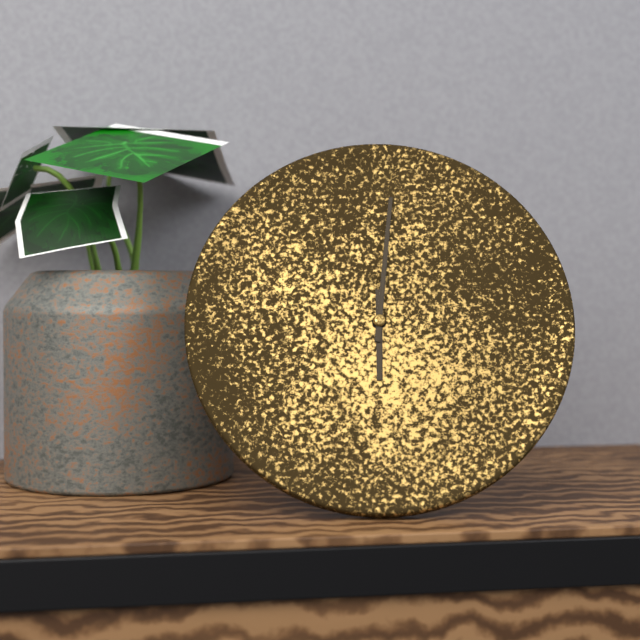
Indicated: 6,01
